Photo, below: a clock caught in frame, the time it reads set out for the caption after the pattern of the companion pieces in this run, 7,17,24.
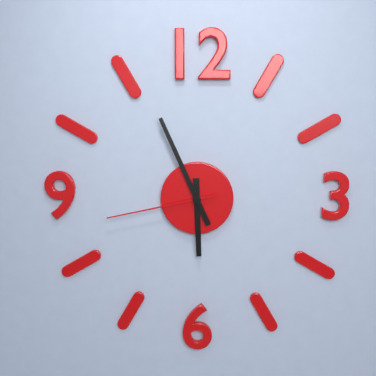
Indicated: 5,56,43
